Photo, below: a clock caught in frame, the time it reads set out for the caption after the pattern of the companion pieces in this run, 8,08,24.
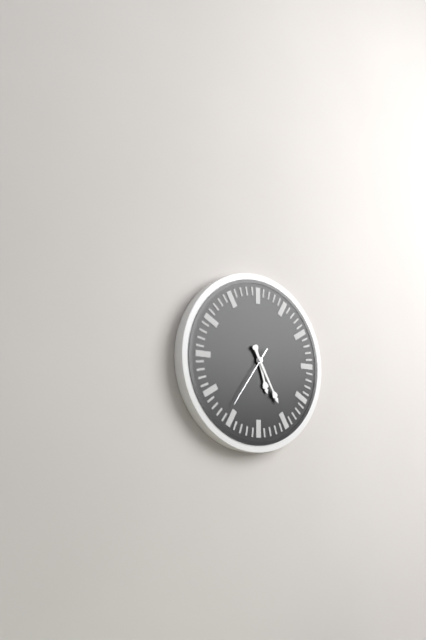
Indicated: 5,25,36
